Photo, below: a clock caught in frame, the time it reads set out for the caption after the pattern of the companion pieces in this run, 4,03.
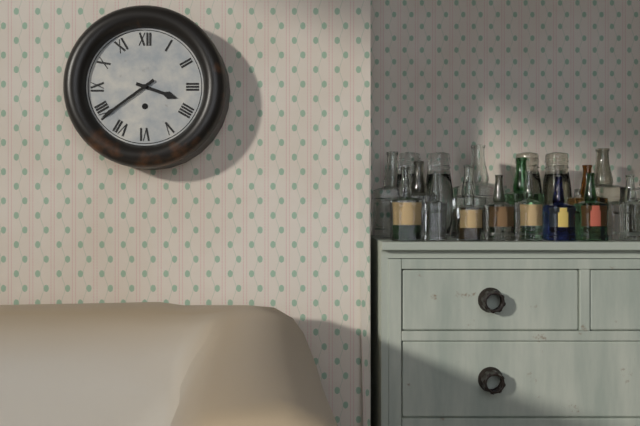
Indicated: 3,39
